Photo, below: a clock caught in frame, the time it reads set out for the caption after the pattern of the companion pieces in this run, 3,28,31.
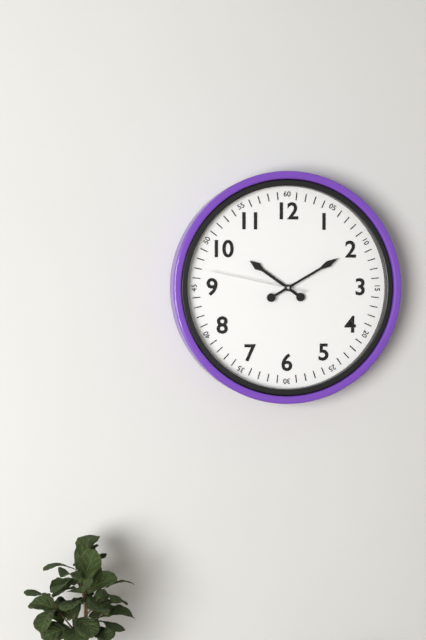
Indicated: 10,10,47
